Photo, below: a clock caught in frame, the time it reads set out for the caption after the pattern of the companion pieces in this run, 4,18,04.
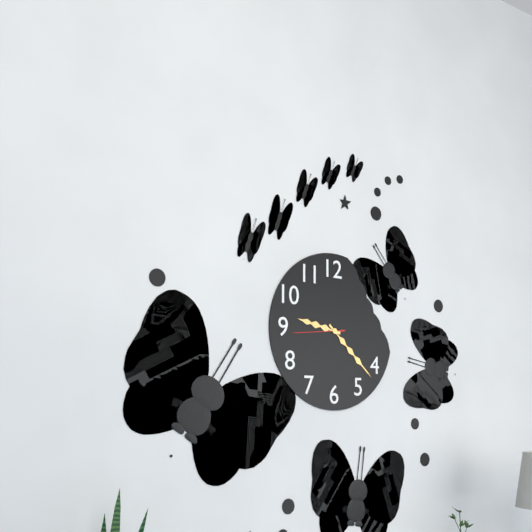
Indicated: 9,22,44
